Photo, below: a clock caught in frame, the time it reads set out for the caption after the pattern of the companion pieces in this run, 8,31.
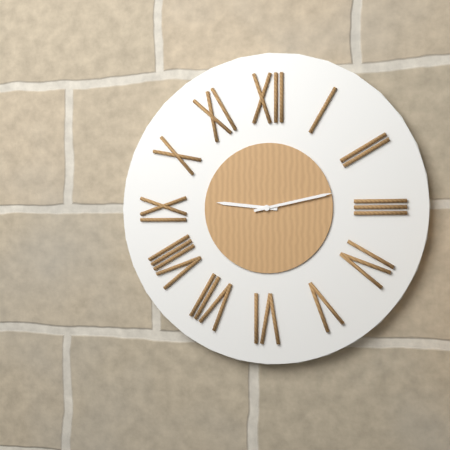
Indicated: 9,13
